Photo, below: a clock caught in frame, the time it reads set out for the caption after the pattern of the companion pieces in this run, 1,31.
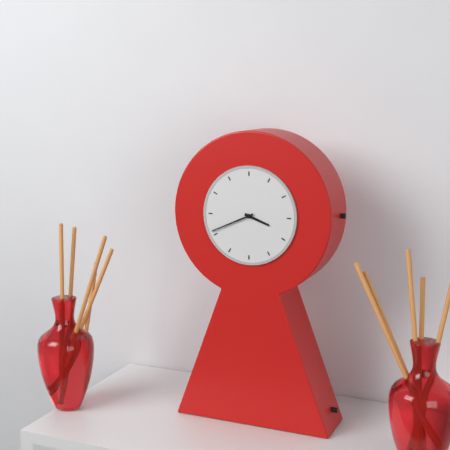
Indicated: 3,41
